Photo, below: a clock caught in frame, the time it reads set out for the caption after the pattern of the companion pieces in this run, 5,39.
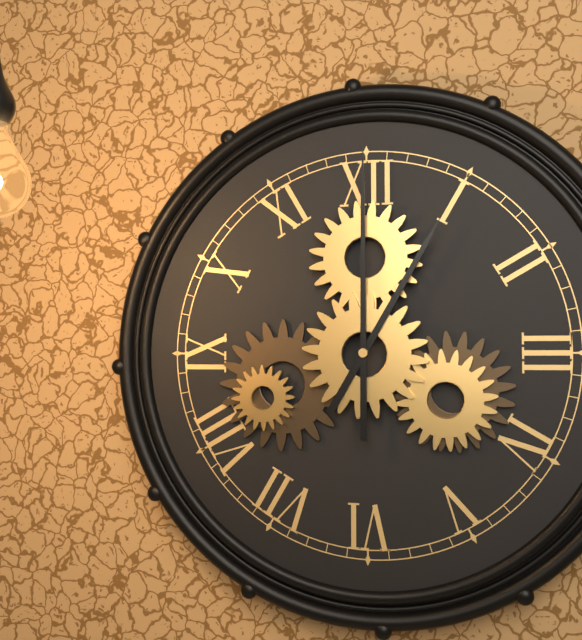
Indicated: 1,00
